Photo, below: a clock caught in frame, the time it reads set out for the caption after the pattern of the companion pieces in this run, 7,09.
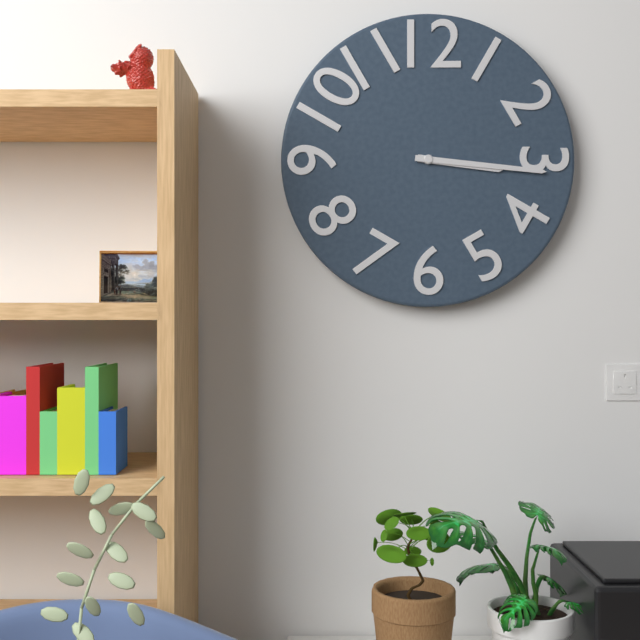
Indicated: 3,16
